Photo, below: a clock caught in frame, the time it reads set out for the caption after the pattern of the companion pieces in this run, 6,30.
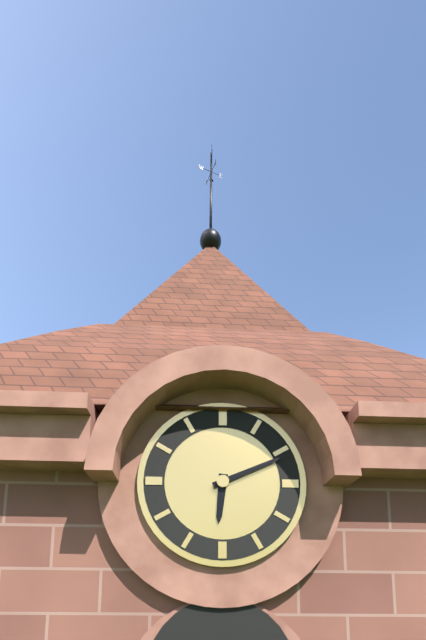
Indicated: 6,11
